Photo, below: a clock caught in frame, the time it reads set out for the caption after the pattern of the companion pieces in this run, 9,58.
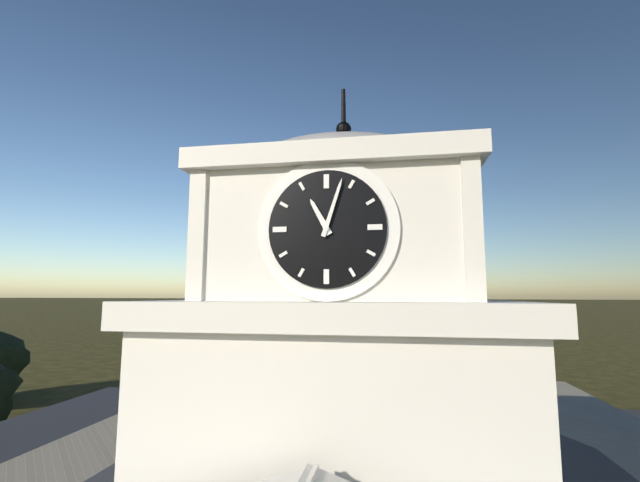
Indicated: 11,03
